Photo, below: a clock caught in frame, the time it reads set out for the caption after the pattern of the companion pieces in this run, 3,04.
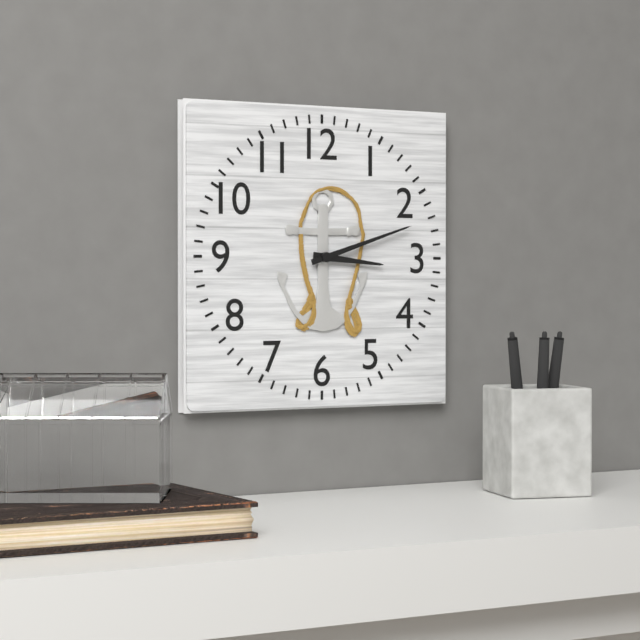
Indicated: 3,12
